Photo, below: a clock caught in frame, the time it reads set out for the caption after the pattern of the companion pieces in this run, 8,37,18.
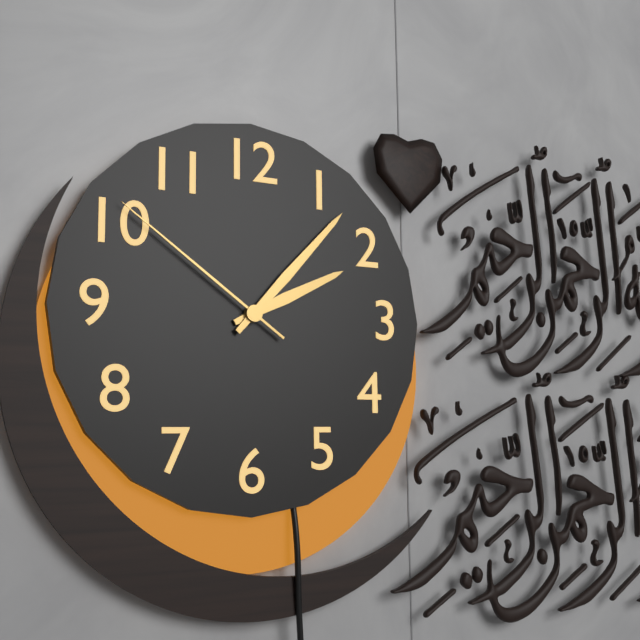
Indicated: 2,07,51
